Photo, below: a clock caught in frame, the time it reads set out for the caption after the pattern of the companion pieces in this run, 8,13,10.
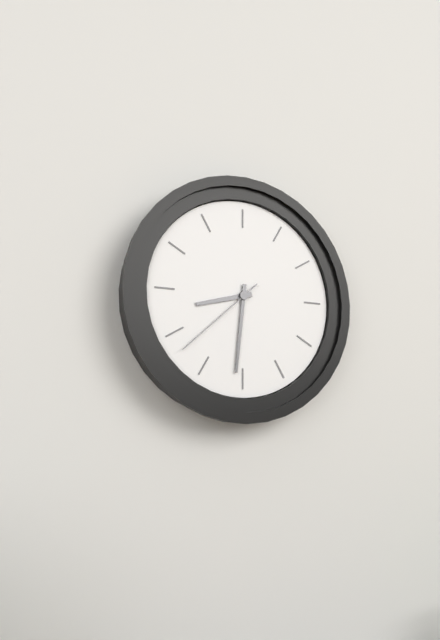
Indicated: 8,31,38
